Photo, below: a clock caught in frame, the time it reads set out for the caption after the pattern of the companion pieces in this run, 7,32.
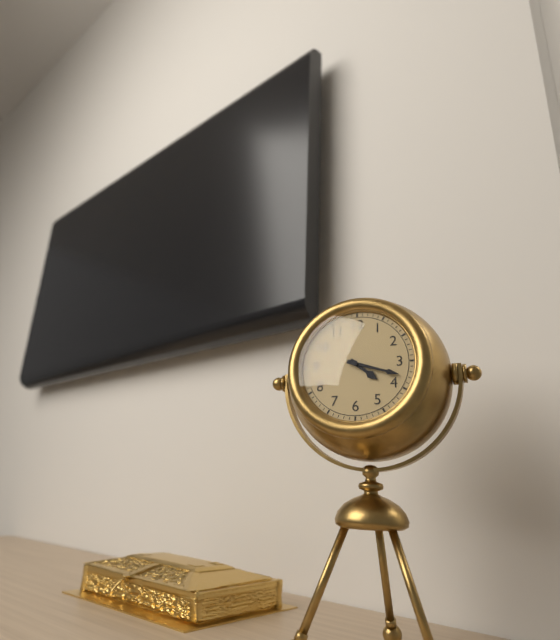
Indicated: 4,18
